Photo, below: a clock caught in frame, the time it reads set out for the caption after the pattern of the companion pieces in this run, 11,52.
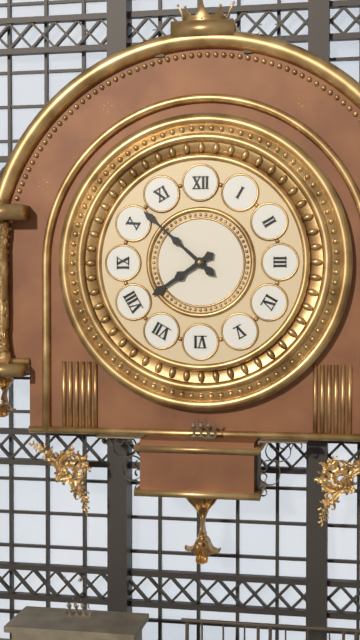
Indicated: 7,52
